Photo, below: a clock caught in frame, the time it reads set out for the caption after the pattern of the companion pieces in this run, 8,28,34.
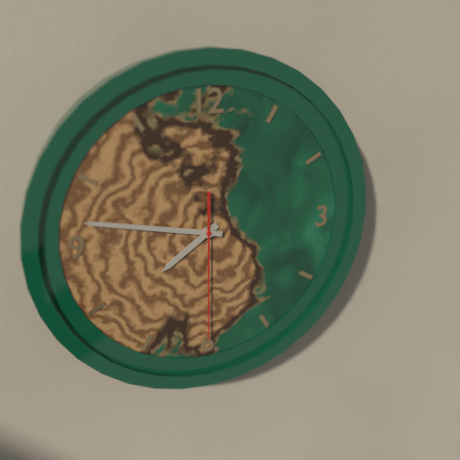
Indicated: 7,47,30
